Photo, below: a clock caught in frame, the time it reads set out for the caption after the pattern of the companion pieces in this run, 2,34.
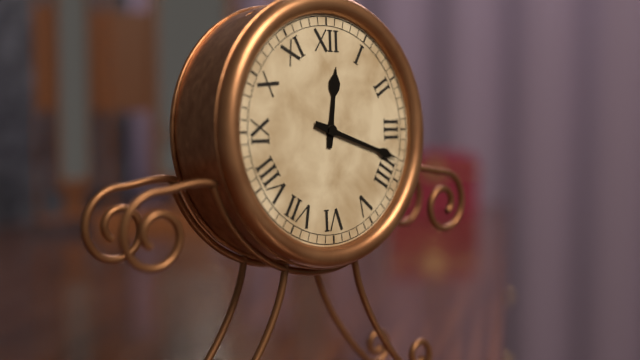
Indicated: 12,18
